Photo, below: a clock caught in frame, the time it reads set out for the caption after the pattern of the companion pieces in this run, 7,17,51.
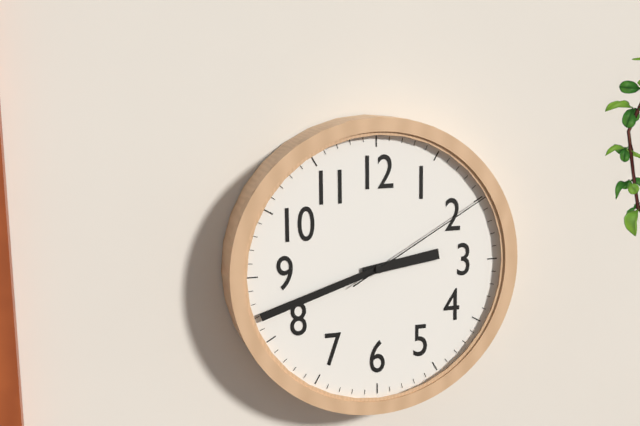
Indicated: 2,42,10
